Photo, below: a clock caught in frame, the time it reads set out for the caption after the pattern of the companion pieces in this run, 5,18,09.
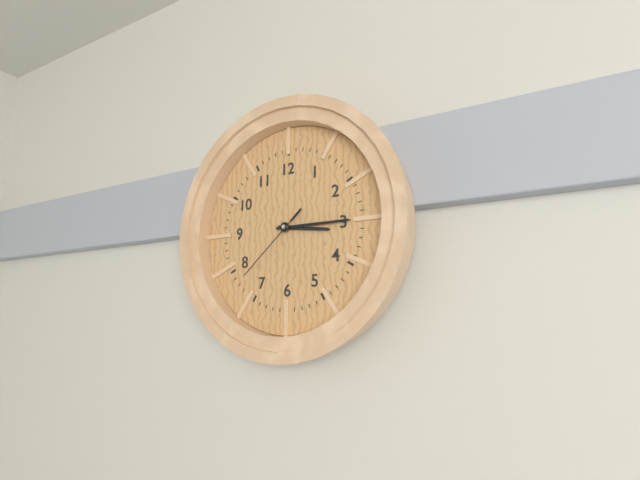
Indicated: 3,15,38
